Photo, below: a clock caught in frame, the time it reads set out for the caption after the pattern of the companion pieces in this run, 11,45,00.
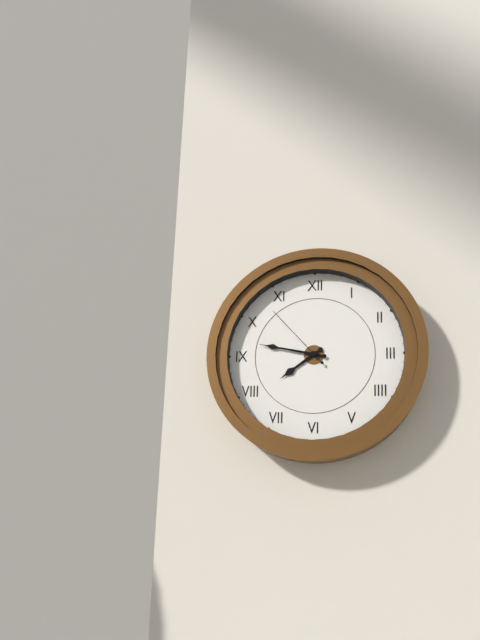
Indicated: 7,47,53
